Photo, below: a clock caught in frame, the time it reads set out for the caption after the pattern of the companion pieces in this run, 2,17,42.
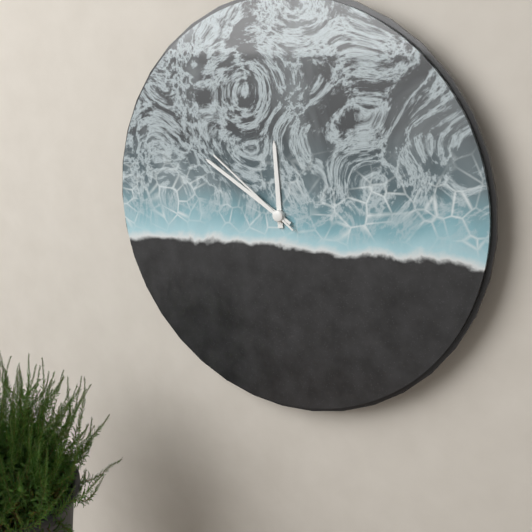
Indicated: 11,50,51
